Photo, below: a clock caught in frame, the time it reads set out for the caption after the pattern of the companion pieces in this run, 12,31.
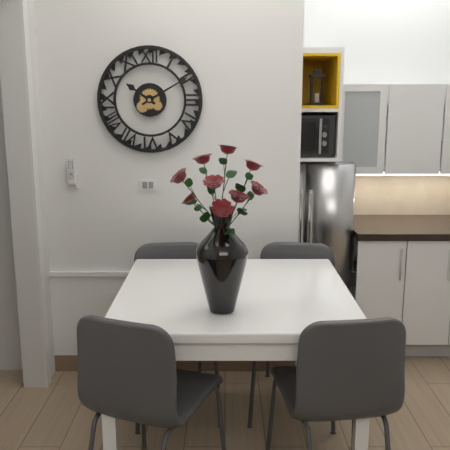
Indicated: 10,10
